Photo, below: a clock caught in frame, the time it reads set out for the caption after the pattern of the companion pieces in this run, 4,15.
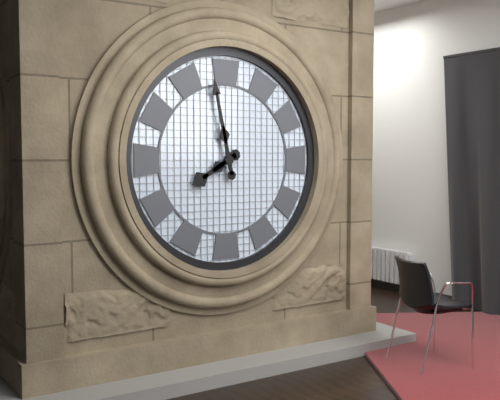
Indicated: 7,58
